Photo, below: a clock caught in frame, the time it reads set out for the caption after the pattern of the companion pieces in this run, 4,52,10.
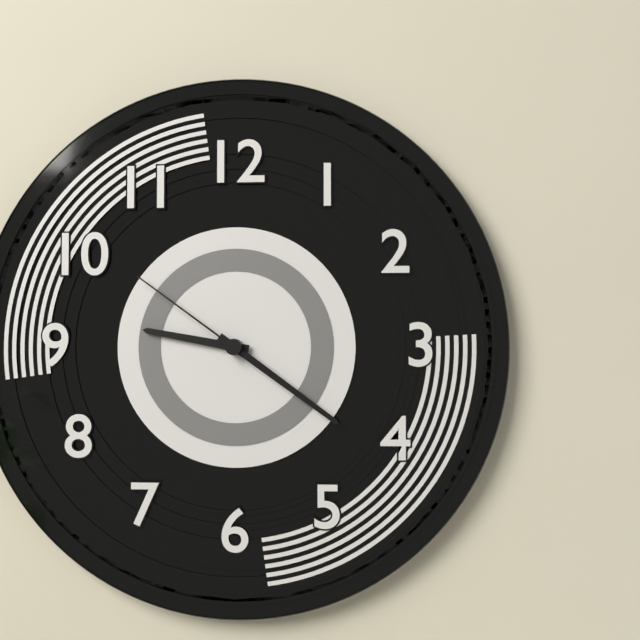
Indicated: 9,21,51
